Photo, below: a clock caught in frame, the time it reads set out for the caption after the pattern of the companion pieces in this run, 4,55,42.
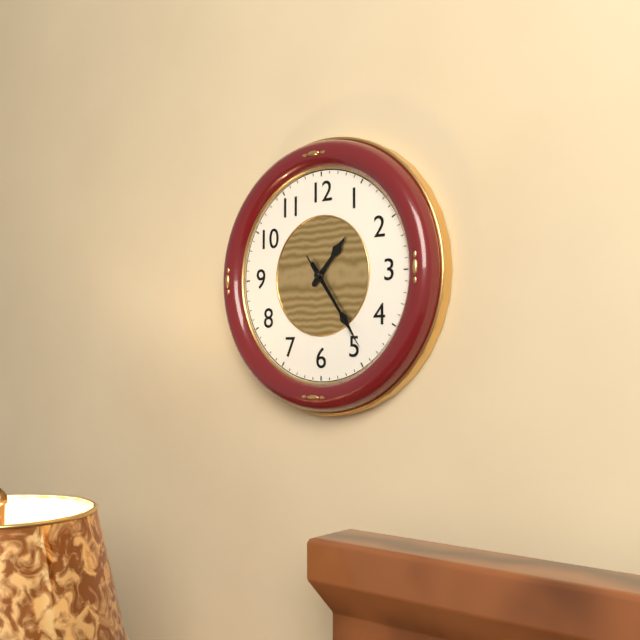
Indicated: 1,24,24
